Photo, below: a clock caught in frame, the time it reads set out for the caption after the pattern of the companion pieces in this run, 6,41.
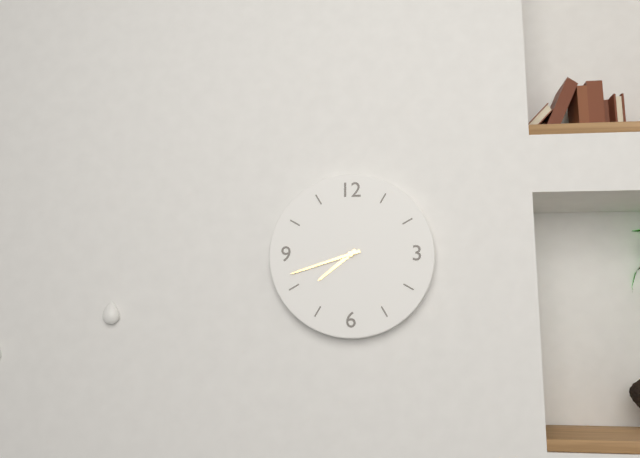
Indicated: 7,42
